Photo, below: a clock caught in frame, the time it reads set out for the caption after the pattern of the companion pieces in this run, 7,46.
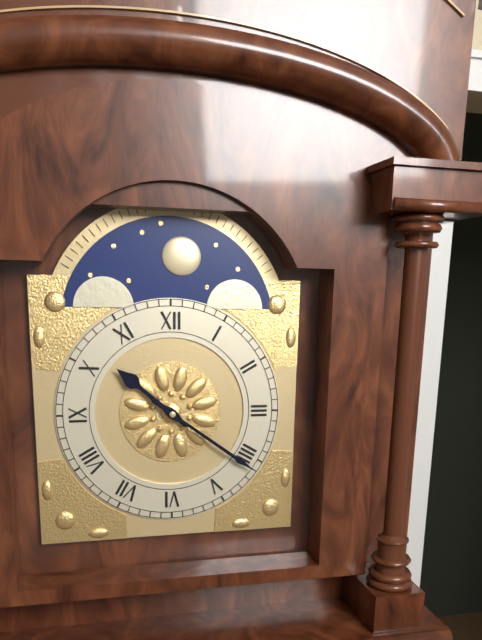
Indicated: 10,21
